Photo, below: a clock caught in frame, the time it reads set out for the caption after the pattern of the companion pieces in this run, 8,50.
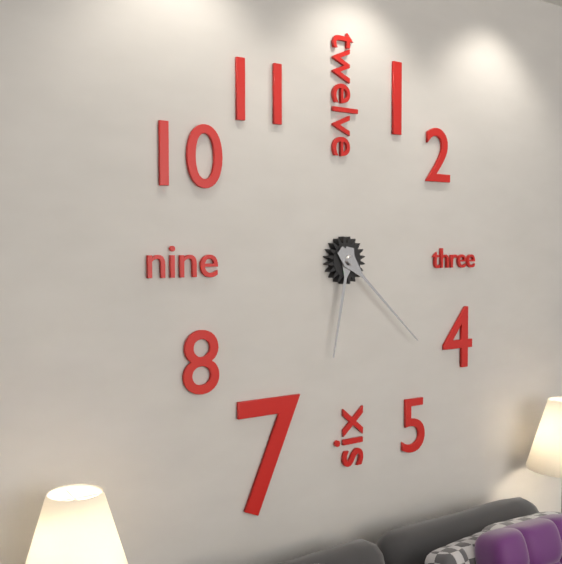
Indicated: 6,22
